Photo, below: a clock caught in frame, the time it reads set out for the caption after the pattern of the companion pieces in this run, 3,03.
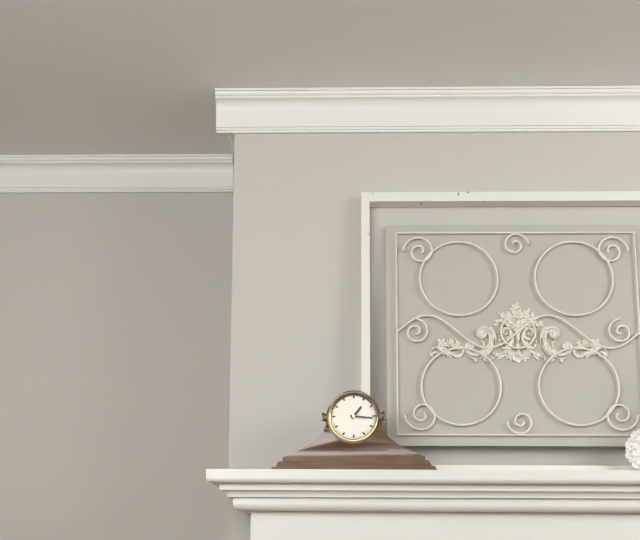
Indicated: 1,16
